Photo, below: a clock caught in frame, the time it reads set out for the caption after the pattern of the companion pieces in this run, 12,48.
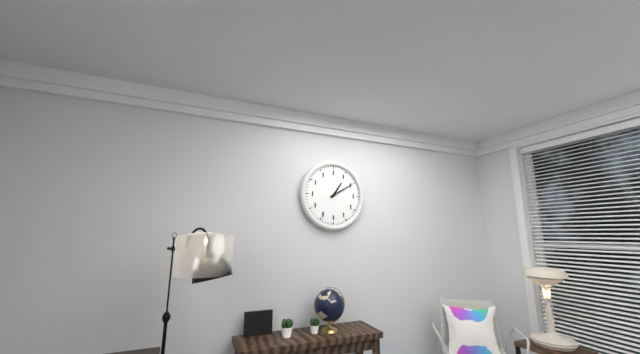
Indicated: 1,10
